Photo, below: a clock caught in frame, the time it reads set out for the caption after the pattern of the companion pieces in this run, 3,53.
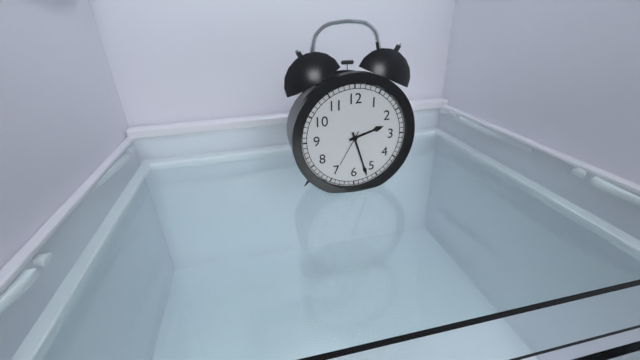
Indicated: 2,27
